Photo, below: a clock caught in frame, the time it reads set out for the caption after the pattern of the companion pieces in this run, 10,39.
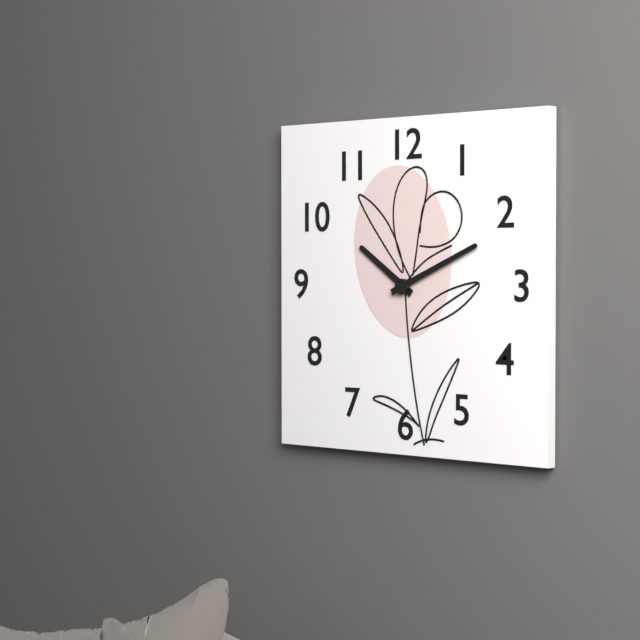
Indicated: 10,11
